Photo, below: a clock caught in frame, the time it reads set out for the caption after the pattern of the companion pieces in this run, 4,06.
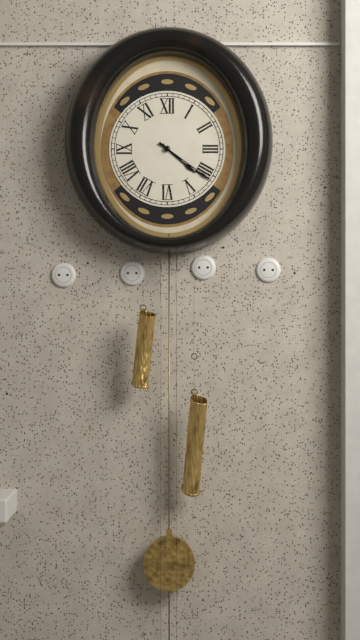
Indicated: 4,21
